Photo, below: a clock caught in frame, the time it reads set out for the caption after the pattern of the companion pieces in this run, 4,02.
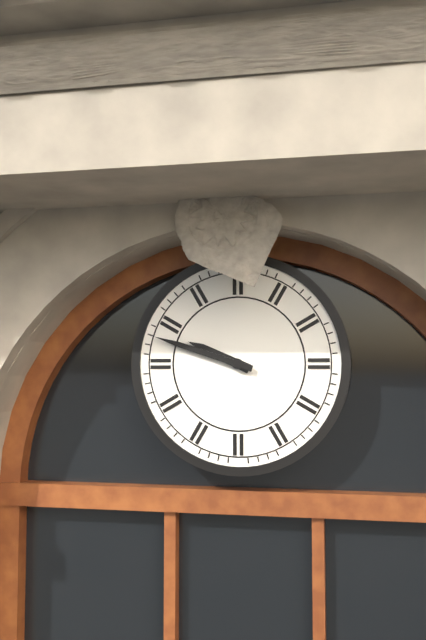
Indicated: 9,48
